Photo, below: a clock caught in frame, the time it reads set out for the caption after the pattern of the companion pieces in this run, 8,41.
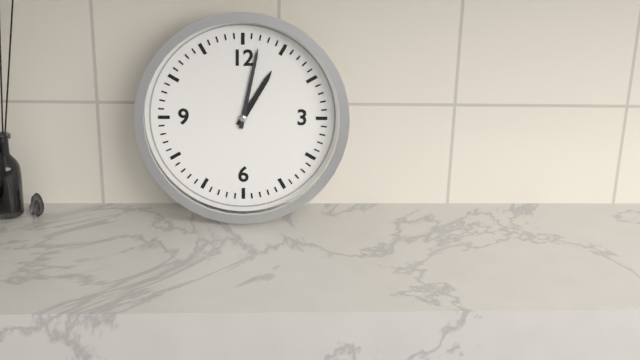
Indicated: 1,02
